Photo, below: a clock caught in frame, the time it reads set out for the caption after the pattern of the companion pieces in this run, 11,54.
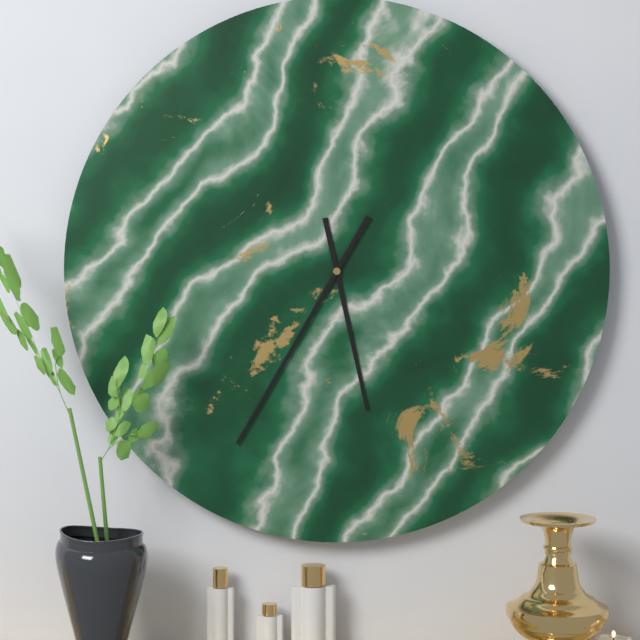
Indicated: 5,35
